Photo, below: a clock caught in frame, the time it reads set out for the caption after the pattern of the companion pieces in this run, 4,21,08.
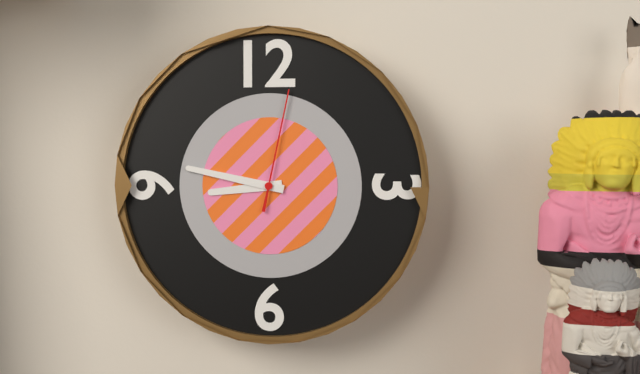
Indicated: 8,47,02
